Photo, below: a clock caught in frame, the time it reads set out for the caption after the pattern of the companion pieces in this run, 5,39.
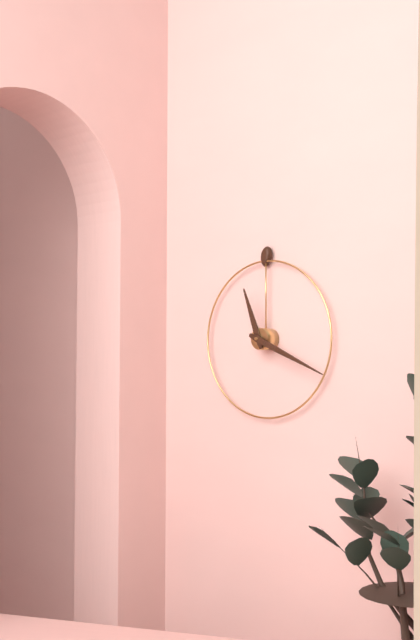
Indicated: 11,19
